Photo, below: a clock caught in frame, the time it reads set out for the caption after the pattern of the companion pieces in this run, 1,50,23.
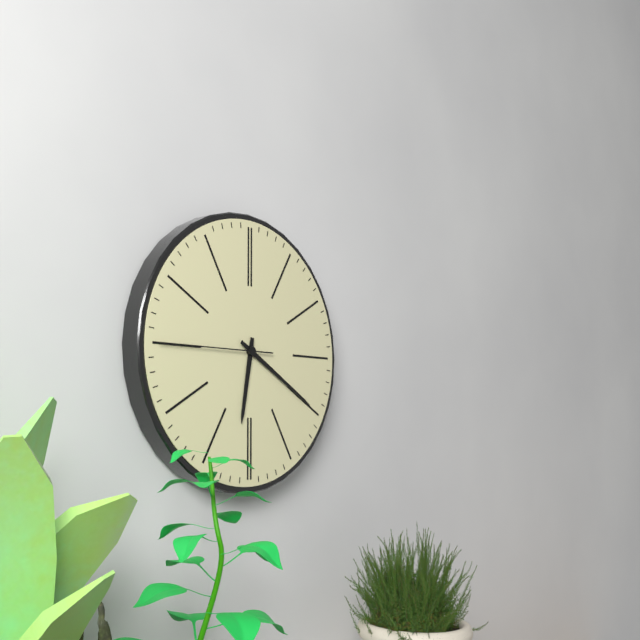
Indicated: 6,20,45
